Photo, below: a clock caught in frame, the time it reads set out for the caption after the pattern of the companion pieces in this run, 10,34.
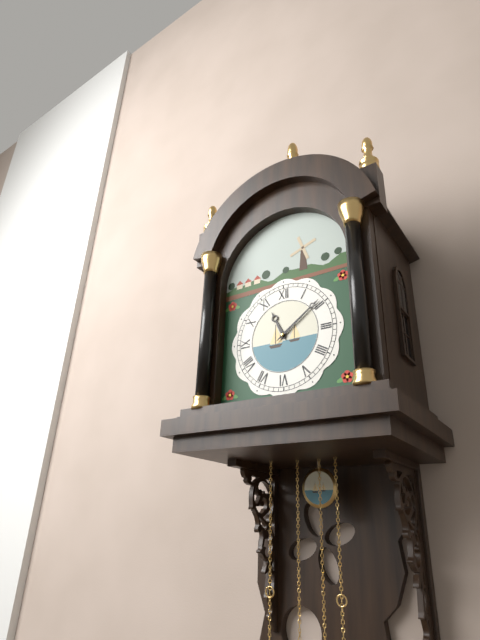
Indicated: 11,09
